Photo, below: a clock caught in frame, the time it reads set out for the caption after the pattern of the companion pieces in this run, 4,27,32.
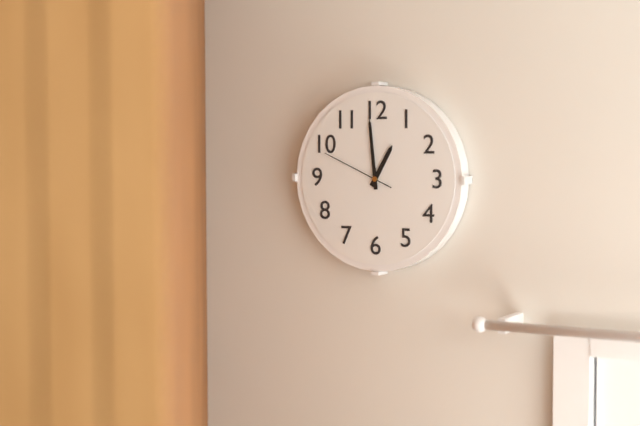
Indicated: 12,59,49
